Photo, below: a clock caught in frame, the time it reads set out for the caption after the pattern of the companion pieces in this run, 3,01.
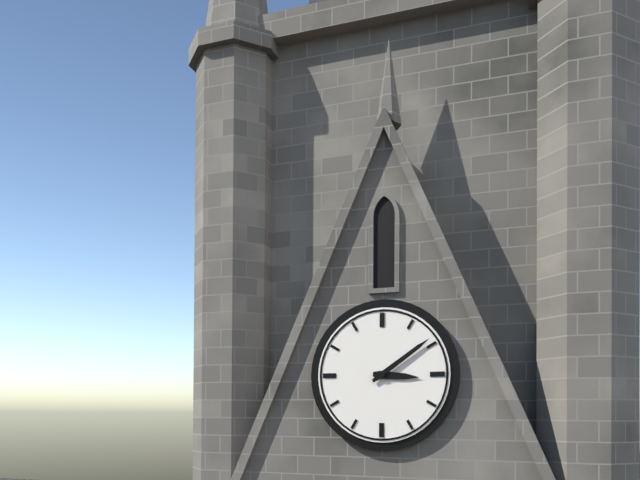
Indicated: 3,09
